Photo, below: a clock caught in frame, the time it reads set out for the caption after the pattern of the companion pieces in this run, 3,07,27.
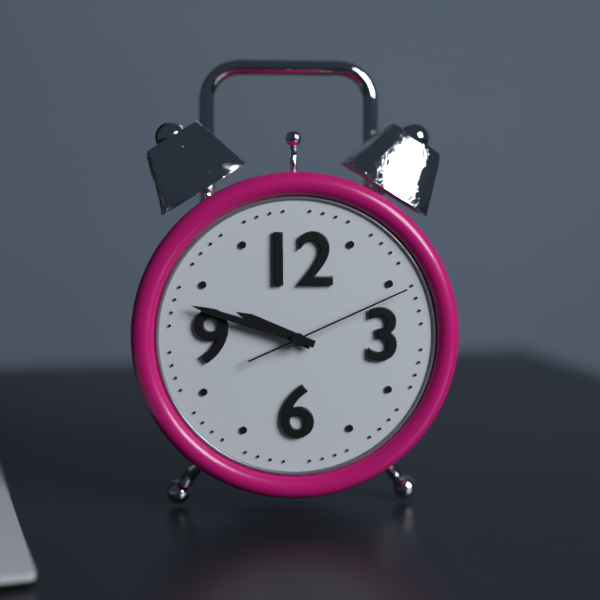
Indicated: 9,48,11
